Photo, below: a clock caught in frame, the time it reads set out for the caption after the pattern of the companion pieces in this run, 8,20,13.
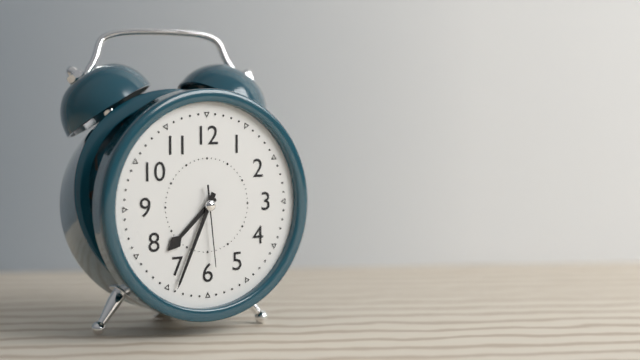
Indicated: 7,34,29
